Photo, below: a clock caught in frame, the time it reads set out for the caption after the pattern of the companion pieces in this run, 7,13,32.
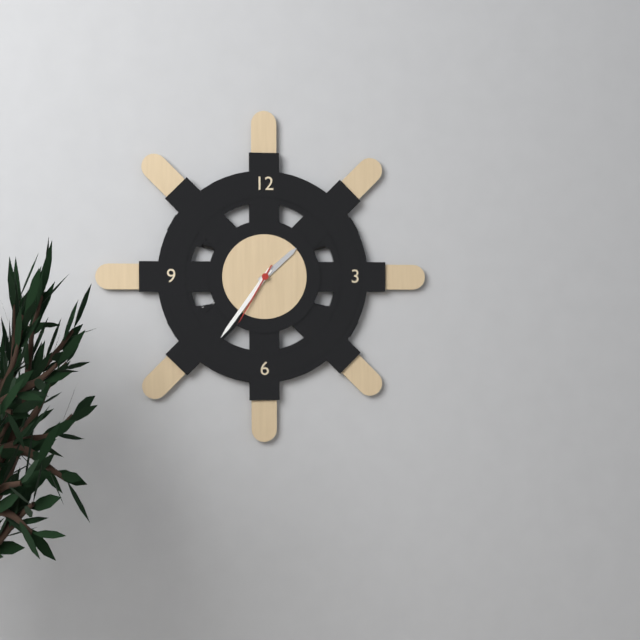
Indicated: 1,36,35
